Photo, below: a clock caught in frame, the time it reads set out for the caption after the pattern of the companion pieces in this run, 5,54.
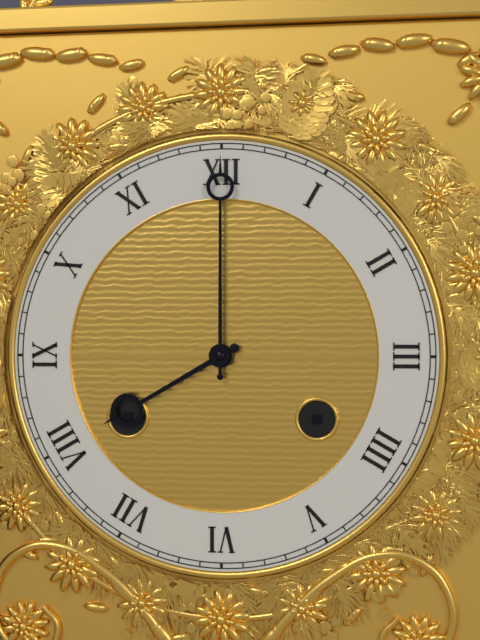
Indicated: 8,00
